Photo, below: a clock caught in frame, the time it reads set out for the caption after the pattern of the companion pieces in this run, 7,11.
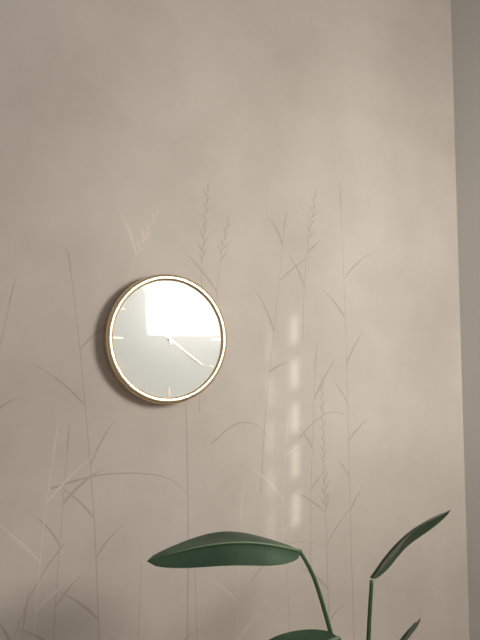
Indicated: 11,21
